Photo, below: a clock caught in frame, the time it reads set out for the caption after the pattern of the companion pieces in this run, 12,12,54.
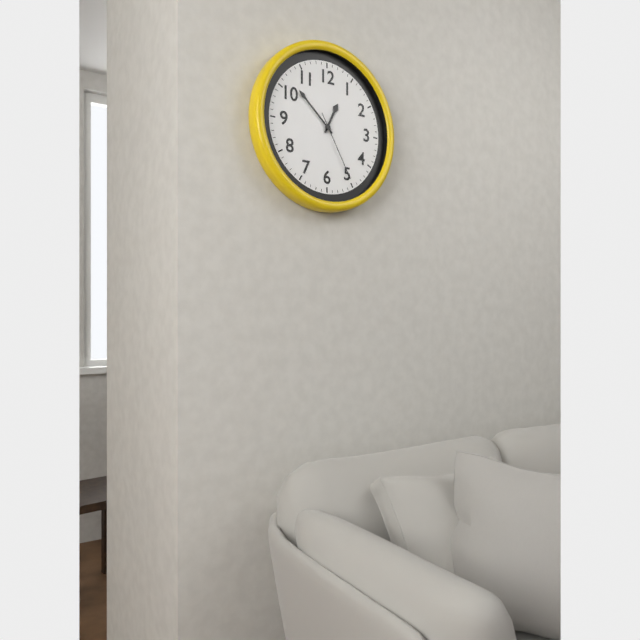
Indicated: 12,52,25
